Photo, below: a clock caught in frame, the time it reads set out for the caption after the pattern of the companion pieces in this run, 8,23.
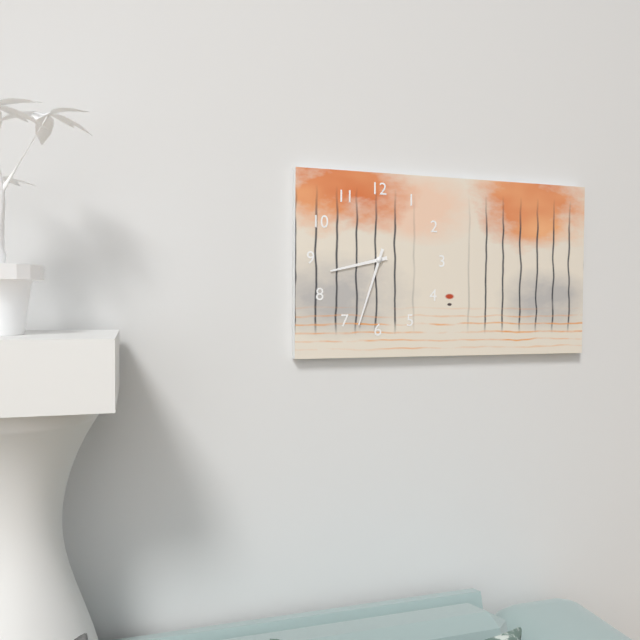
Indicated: 8,33
